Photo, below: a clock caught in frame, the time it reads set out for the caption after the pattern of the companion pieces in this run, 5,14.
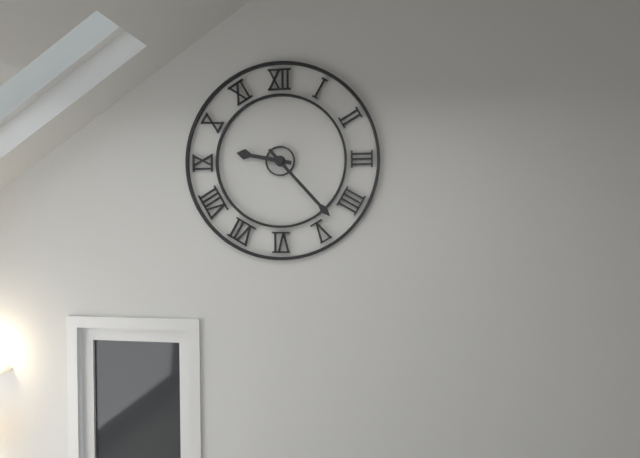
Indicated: 9,23
